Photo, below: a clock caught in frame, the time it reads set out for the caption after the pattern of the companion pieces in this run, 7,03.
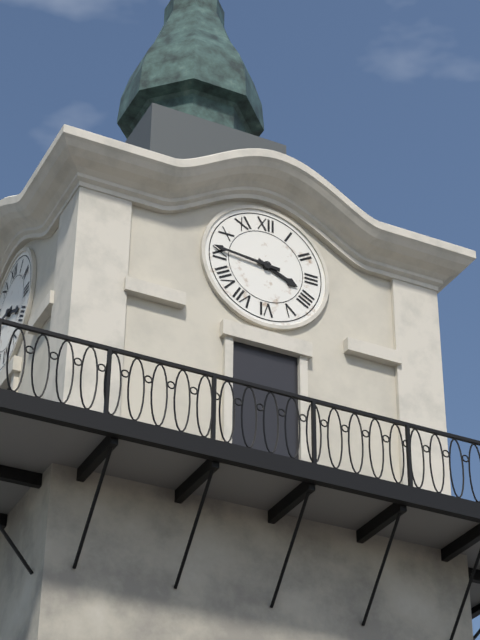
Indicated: 3,46
